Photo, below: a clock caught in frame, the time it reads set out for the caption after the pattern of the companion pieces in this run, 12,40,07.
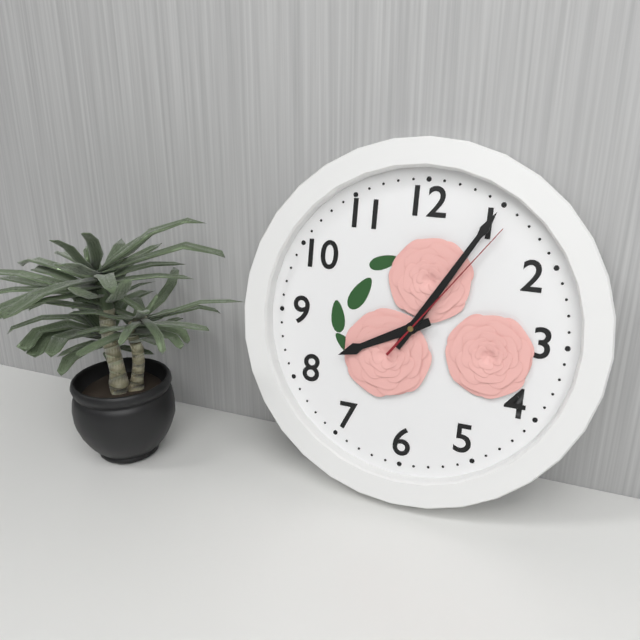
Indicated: 8,05,06
